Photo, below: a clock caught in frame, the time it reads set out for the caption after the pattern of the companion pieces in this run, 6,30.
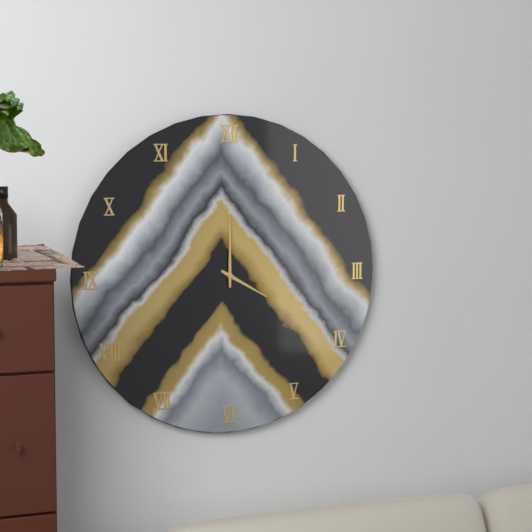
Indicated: 4,00
